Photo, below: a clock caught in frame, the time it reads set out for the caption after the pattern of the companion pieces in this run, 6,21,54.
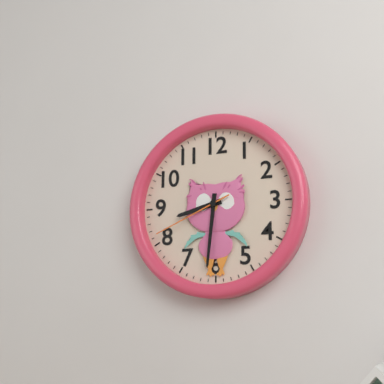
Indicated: 8,31,41
